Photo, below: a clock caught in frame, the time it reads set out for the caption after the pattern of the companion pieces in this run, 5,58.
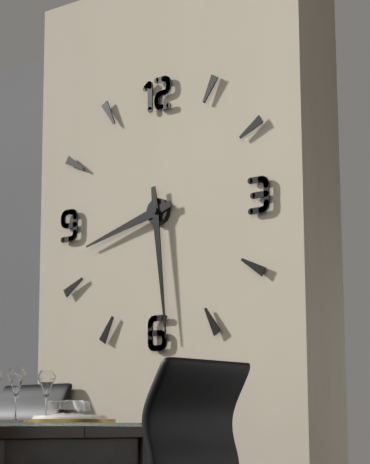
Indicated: 8,29
